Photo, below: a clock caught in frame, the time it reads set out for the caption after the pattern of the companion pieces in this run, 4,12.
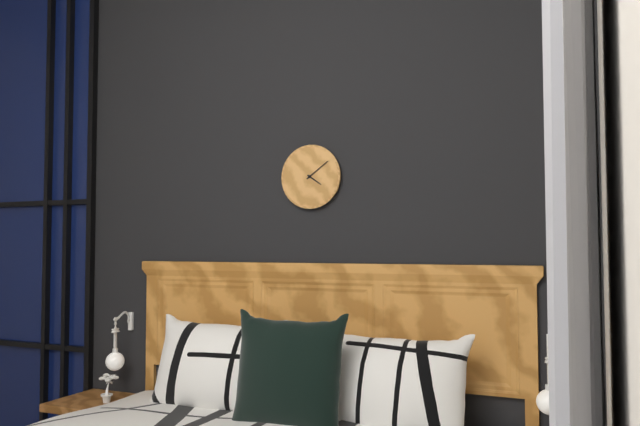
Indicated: 4,09
